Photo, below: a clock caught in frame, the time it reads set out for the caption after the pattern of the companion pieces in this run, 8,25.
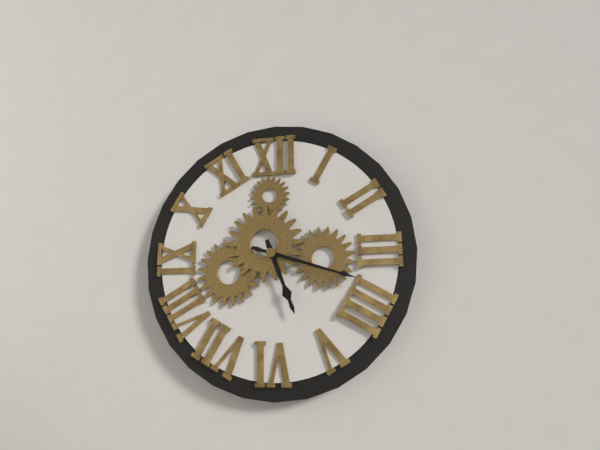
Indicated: 5,18
